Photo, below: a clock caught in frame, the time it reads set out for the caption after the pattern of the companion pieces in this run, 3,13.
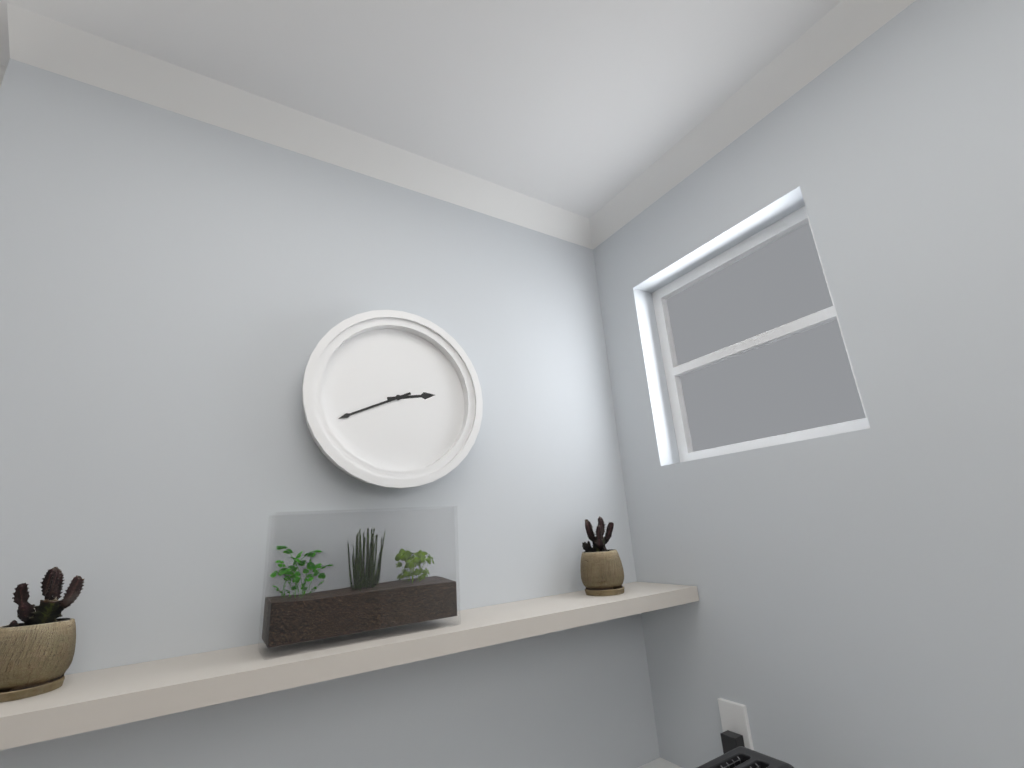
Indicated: 2,41
